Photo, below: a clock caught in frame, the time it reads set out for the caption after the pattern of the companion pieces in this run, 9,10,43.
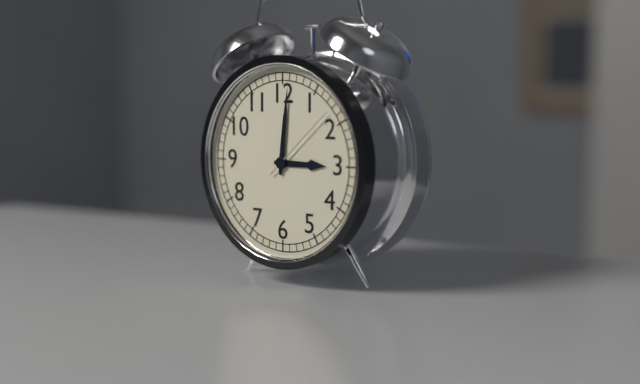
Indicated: 3,01,08
